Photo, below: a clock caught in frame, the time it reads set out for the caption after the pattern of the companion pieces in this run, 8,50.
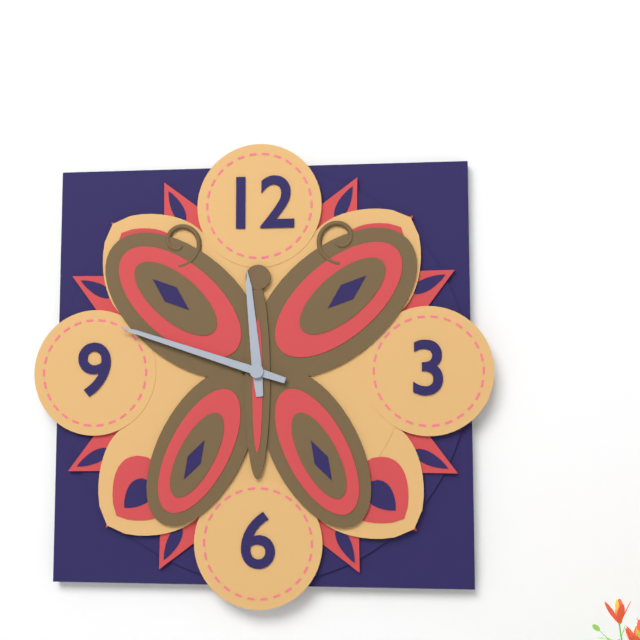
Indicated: 11,48
